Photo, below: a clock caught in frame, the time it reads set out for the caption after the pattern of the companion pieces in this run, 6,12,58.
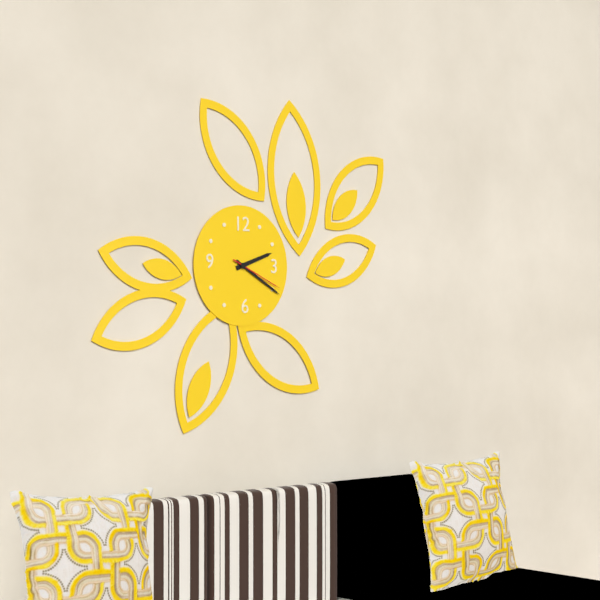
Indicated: 2,20,19
